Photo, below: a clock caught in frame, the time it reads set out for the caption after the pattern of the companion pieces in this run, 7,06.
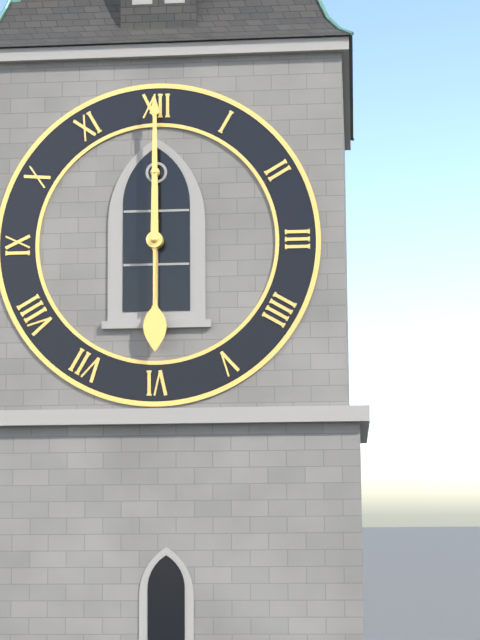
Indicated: 6,00
